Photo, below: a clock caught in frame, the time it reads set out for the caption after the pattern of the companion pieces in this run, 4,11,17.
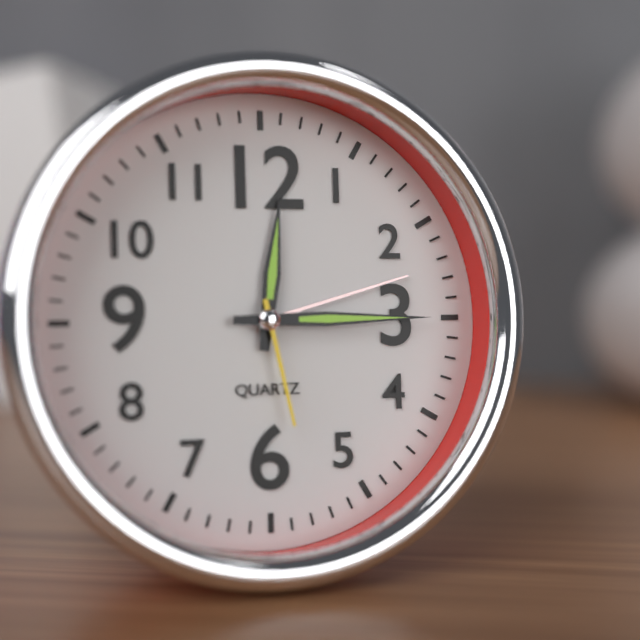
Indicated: 12,15,28
